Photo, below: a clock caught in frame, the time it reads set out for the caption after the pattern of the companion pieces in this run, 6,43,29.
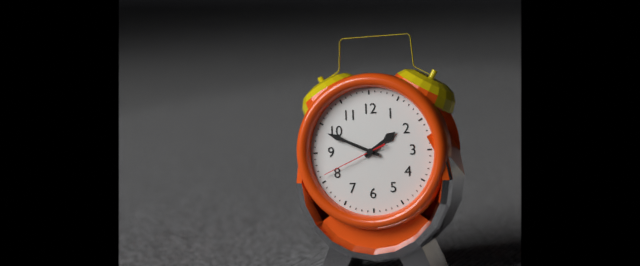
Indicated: 1,49,41
